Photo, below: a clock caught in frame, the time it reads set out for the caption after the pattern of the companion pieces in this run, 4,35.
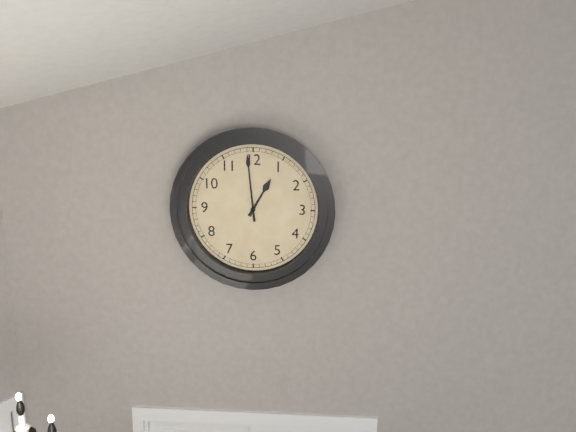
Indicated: 12,59
